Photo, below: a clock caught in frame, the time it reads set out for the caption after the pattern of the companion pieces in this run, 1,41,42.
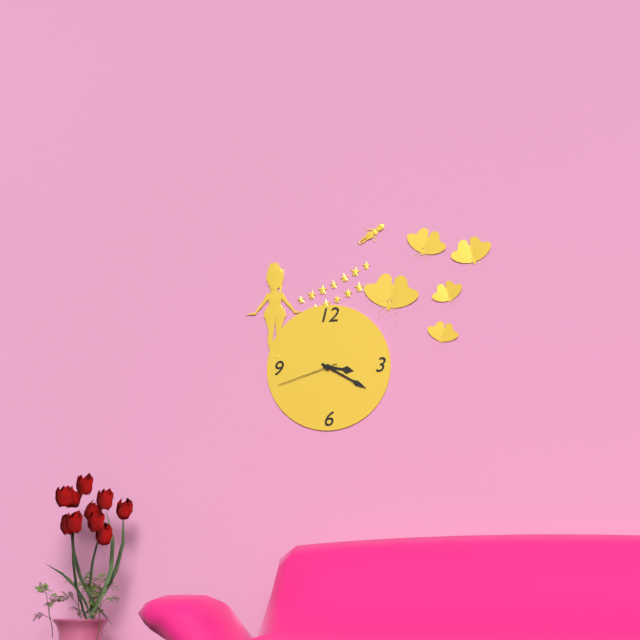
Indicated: 3,20,42
